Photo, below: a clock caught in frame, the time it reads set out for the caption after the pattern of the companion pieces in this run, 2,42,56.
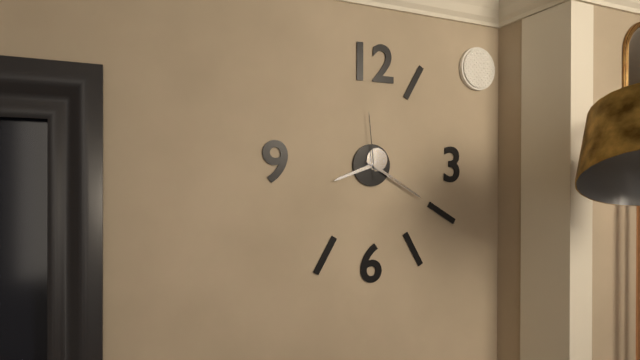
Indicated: 8,20,59
